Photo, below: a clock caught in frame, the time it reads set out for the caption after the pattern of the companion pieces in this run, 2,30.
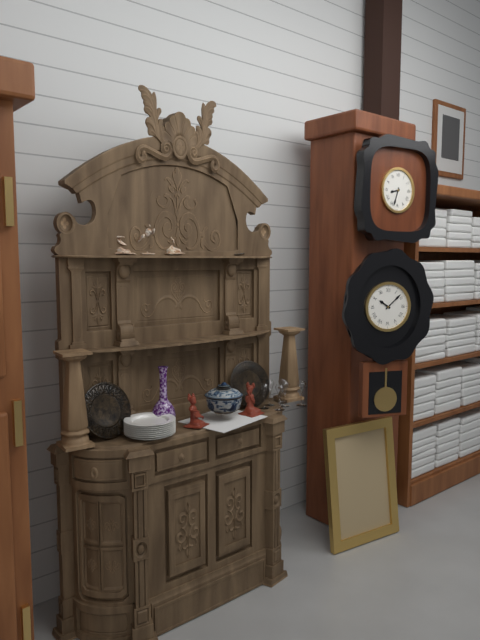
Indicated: 8,33
